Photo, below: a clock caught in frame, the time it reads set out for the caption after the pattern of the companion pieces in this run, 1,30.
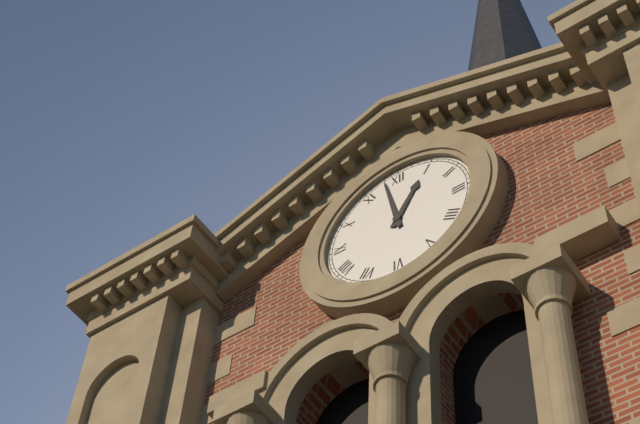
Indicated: 12,58
